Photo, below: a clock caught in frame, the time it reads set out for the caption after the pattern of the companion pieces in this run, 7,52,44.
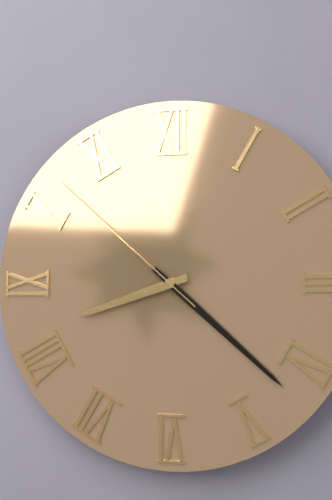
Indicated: 8,22,52
